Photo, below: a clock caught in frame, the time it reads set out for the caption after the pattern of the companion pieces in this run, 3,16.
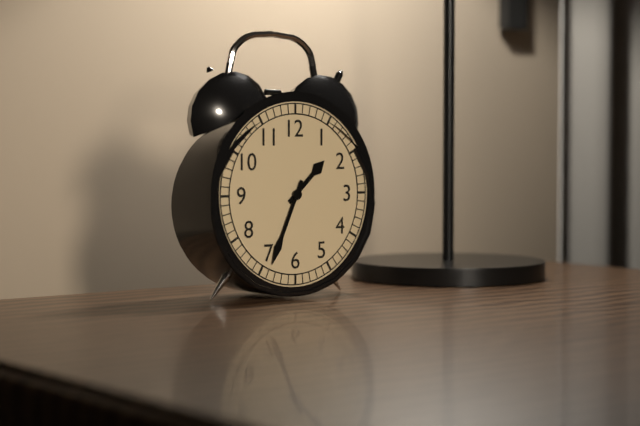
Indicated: 1,34
